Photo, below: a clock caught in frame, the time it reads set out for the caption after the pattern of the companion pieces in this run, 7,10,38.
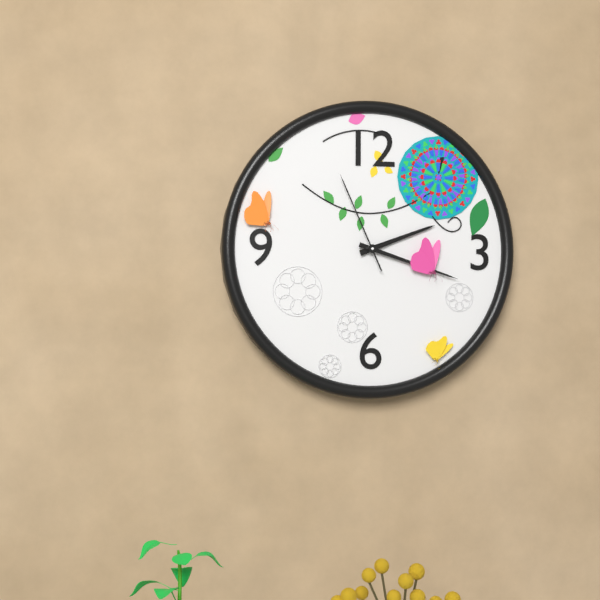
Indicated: 2,18,56
